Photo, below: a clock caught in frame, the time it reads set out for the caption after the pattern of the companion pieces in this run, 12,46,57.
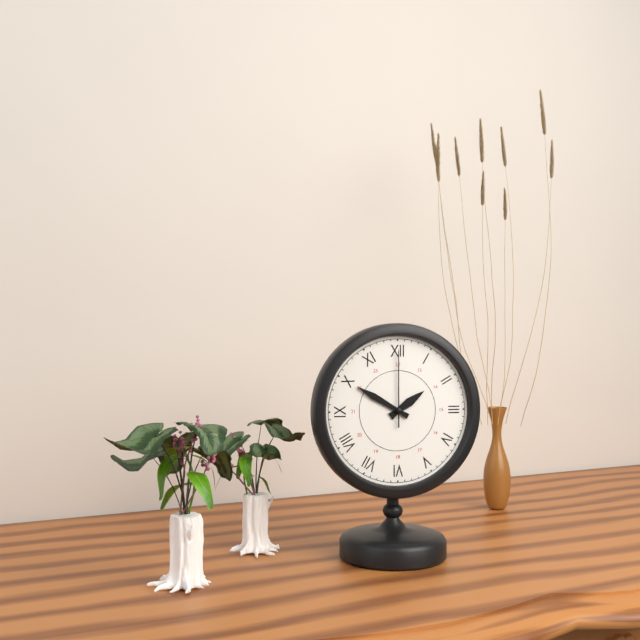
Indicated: 1,50,00
